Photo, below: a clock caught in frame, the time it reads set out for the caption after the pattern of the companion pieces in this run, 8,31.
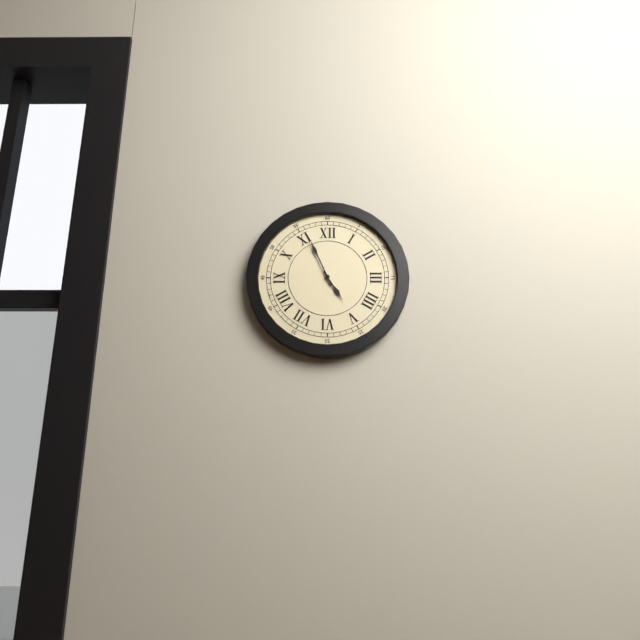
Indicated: 4,56
